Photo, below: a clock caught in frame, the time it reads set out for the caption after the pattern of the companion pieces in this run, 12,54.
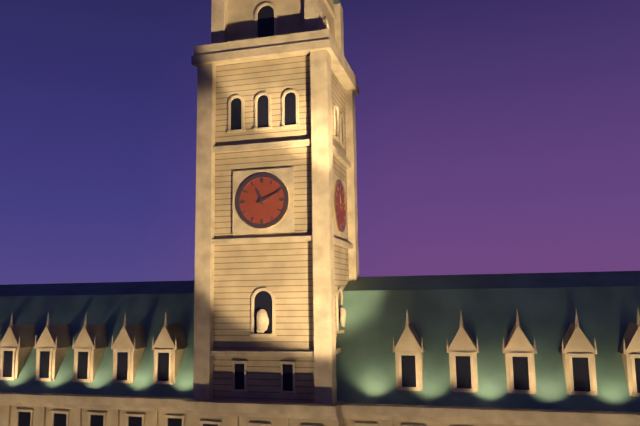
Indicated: 11,11
